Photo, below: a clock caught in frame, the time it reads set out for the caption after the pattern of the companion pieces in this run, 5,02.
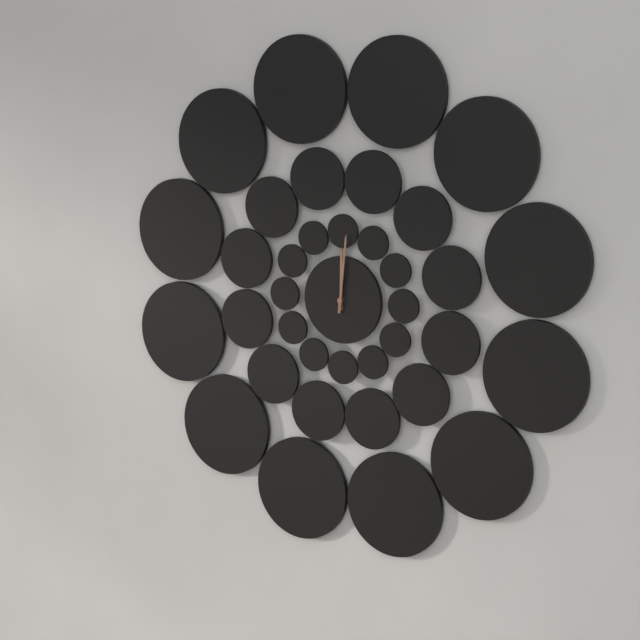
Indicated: 12,01
